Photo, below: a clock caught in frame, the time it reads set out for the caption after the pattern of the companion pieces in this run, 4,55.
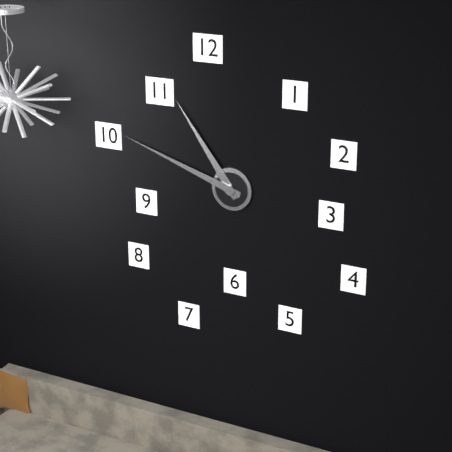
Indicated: 10,48
